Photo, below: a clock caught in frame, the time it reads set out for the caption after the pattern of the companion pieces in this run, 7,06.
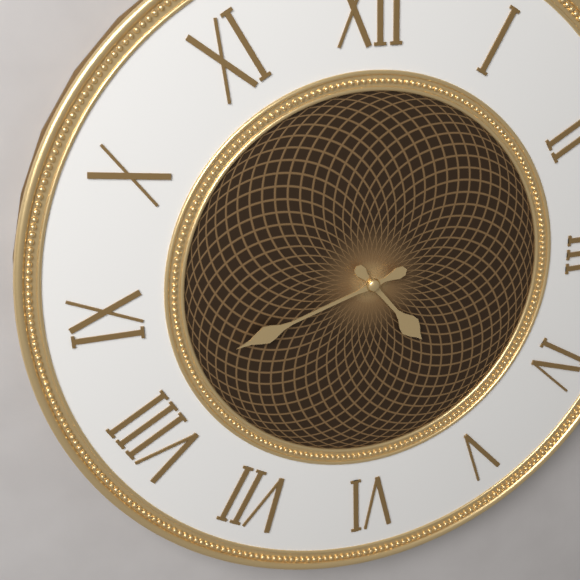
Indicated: 4,42
